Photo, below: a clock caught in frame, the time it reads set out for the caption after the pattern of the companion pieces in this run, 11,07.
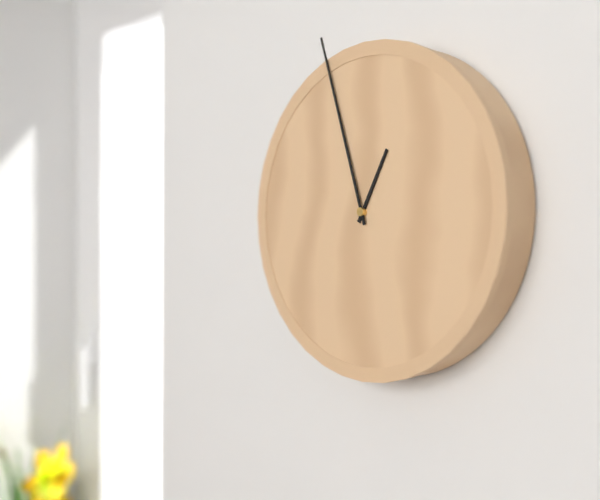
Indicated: 12,57
